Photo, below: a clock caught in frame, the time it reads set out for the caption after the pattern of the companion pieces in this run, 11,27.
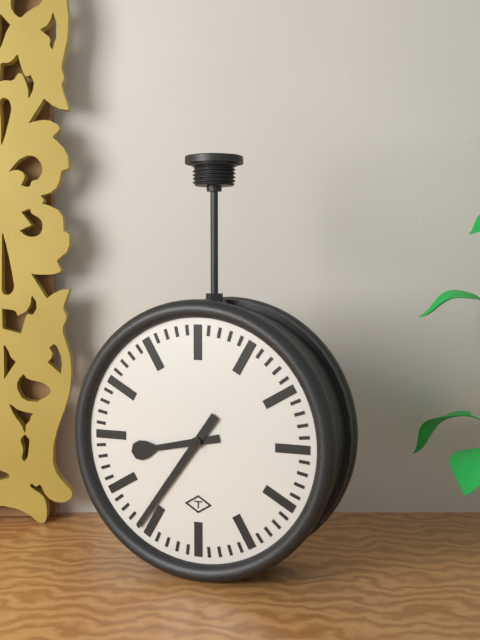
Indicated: 8,36
